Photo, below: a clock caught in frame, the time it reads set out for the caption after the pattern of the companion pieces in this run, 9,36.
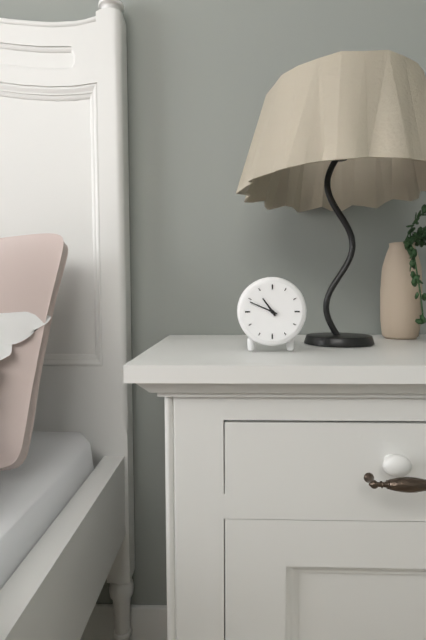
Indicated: 10,49
